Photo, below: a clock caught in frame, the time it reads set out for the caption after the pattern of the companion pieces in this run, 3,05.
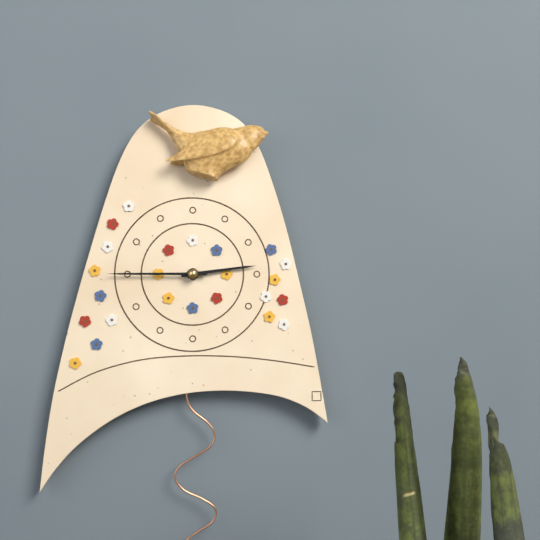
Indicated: 2,45
